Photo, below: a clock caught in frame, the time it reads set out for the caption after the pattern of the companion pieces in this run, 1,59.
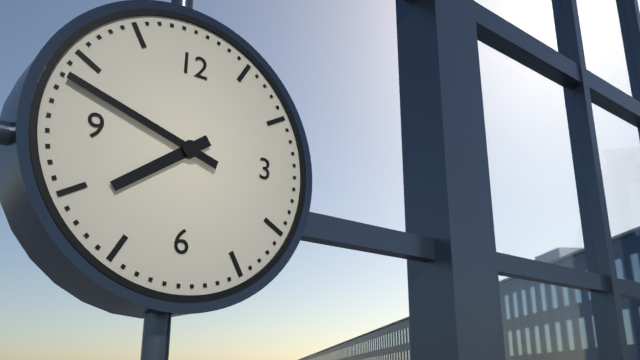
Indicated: 7,48
